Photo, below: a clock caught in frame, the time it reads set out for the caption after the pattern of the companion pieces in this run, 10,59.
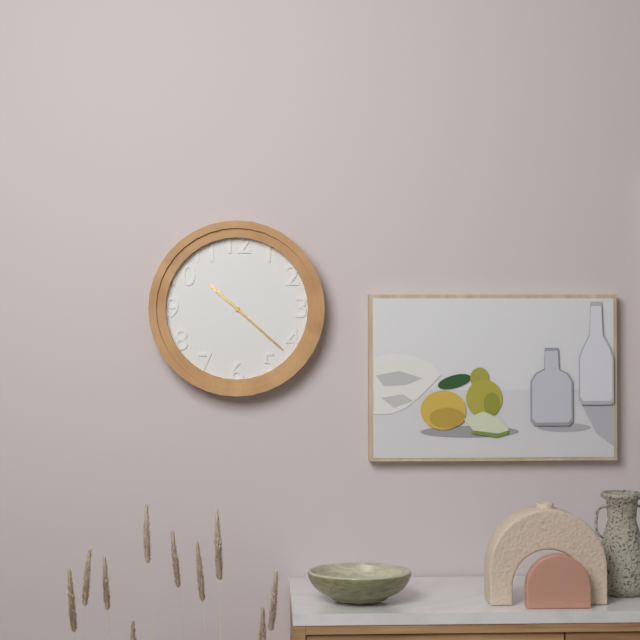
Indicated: 10,22
